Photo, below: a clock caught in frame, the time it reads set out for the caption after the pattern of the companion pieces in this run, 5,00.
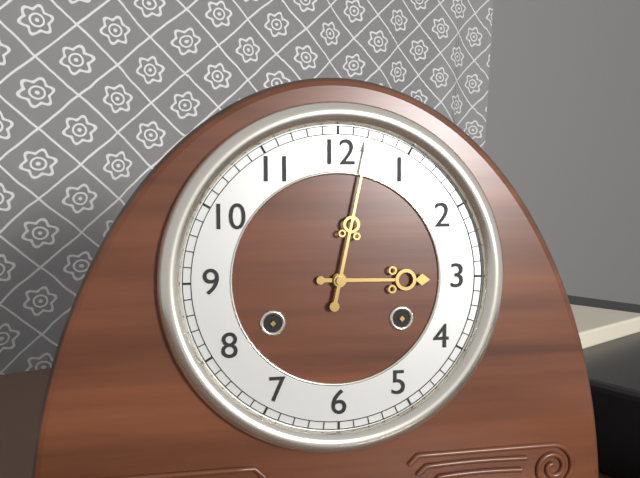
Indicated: 3,02
